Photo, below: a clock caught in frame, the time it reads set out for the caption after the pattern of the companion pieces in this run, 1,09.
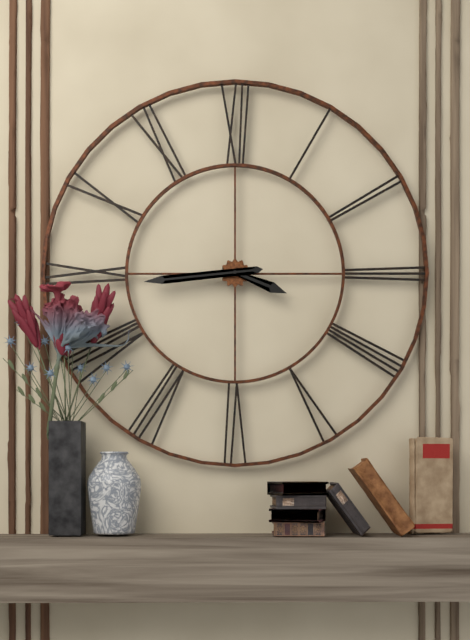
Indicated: 3,44
